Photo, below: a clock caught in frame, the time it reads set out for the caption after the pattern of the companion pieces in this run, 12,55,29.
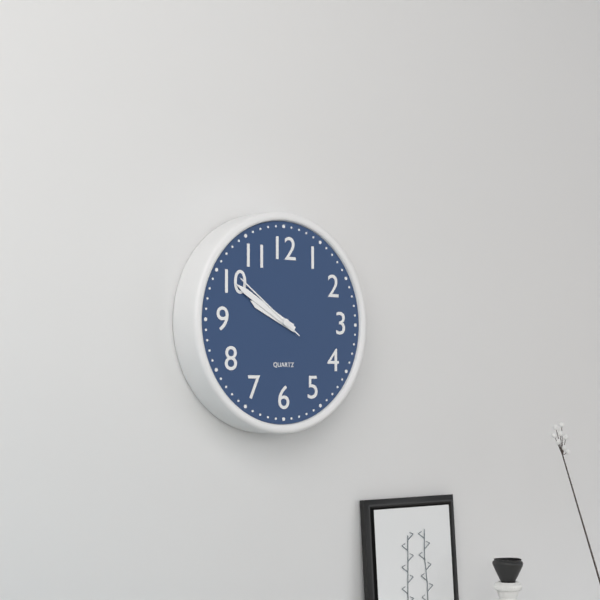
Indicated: 9,50,51
